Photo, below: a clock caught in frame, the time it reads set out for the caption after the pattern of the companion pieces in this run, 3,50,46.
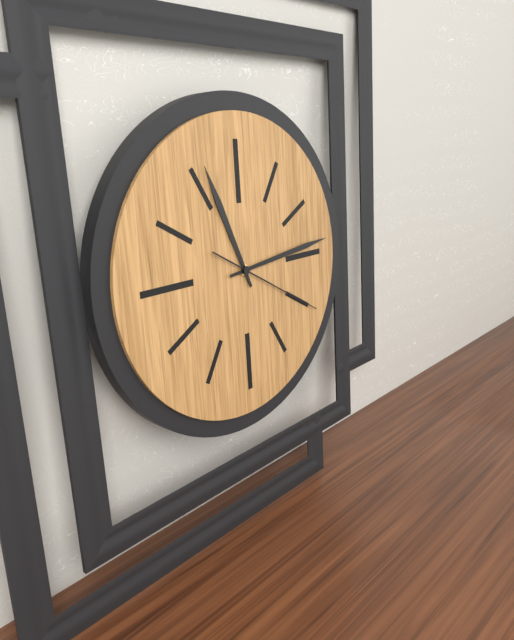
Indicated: 11,14,20
